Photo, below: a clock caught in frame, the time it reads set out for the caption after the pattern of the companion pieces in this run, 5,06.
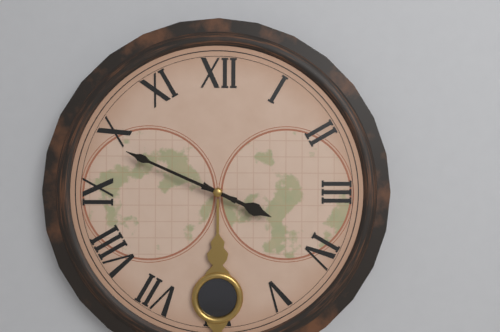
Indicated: 3,49
